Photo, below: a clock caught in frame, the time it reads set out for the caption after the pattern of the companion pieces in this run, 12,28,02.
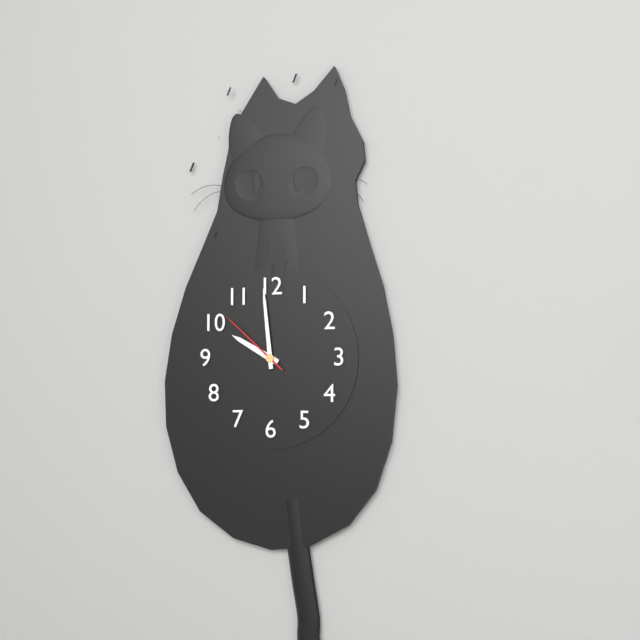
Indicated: 9,59,52
